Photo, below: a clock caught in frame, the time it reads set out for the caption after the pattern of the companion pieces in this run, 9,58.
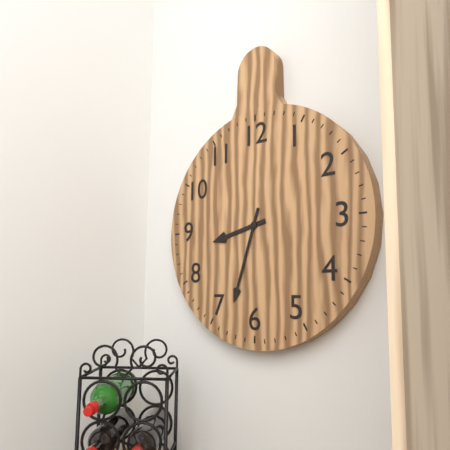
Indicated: 8,33
